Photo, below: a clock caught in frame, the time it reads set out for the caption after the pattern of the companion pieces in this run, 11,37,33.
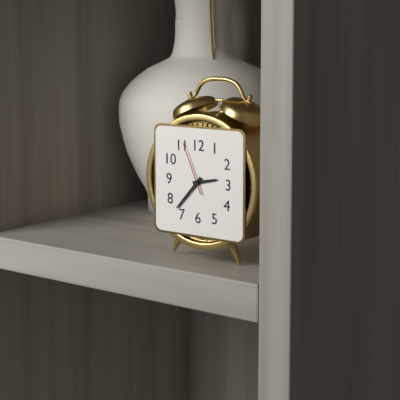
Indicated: 2,37,56
